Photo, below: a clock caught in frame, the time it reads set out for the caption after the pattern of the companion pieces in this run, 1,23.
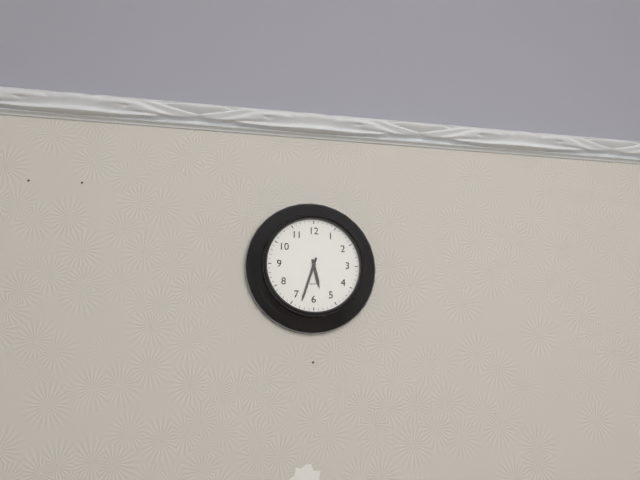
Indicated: 5,33
